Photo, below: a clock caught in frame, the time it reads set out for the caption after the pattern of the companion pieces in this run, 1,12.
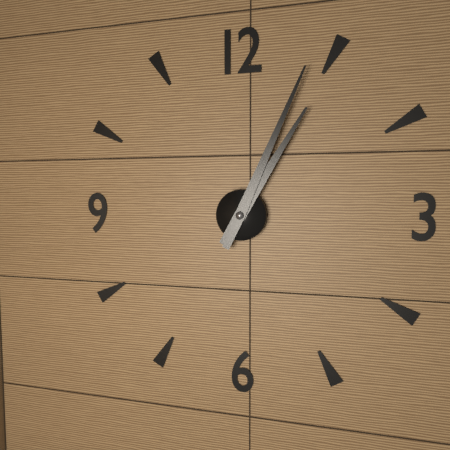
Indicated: 1,04
